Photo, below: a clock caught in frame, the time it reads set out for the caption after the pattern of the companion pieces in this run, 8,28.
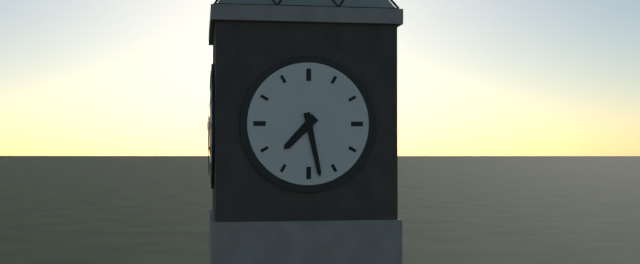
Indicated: 7,28
